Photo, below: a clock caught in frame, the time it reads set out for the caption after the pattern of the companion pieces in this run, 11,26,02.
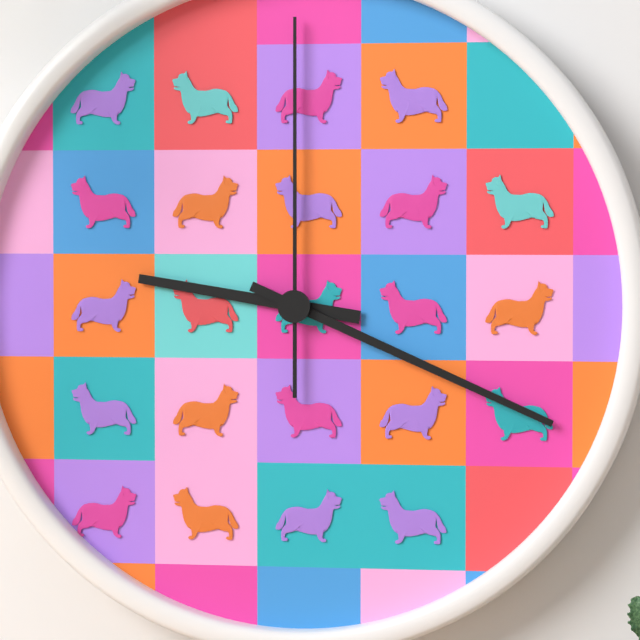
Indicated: 9,19,00
